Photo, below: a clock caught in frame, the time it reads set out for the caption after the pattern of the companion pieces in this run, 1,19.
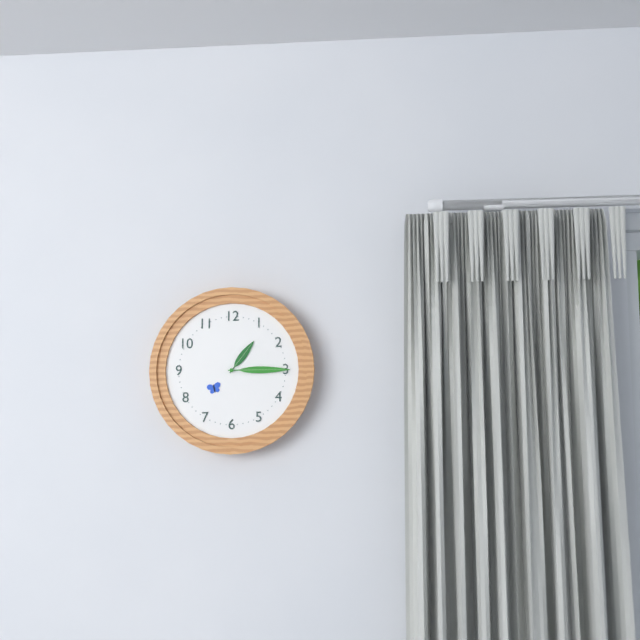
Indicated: 1,15
